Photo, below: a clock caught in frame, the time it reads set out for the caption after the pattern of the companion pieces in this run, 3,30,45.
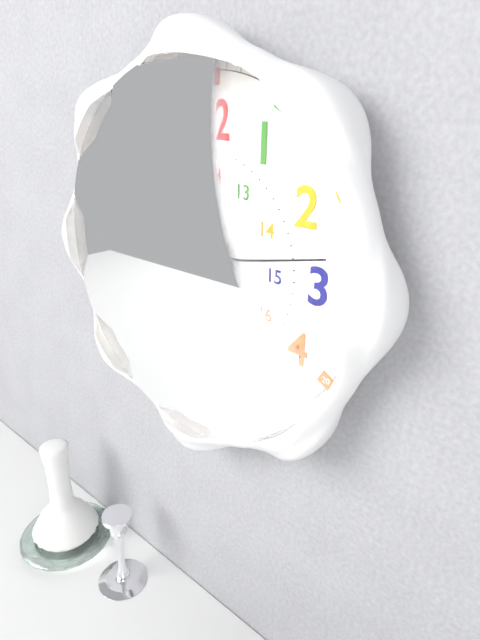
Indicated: 9,37,13
